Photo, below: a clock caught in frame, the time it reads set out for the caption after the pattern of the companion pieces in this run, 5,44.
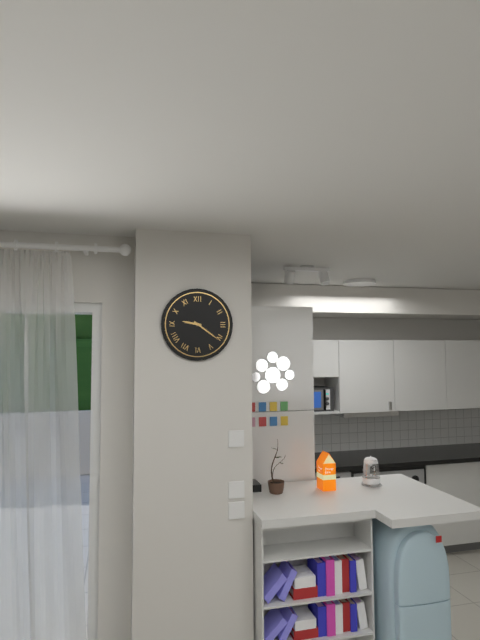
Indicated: 9,21
